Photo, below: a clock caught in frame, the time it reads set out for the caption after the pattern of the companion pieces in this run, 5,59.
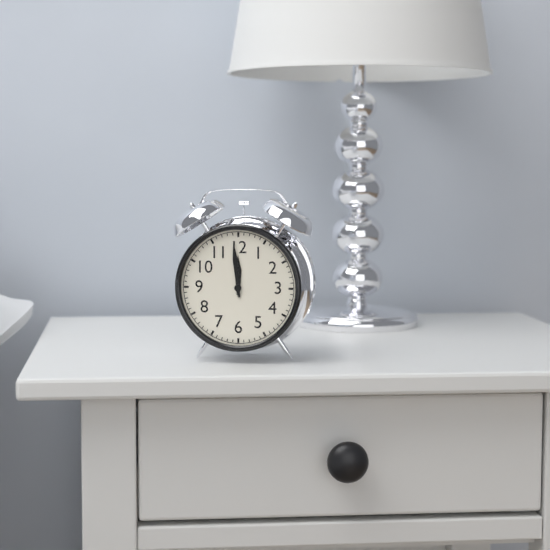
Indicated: 11,59
